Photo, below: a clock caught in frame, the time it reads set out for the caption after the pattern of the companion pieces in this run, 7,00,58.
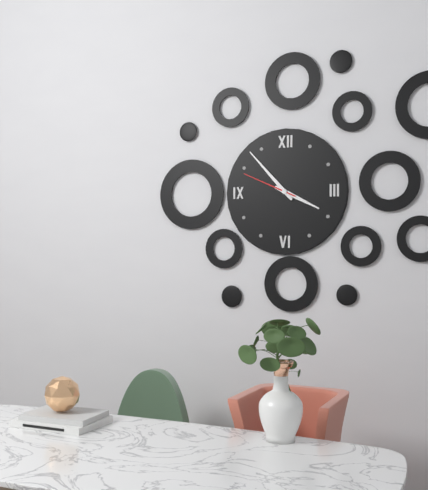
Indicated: 3,53,49
